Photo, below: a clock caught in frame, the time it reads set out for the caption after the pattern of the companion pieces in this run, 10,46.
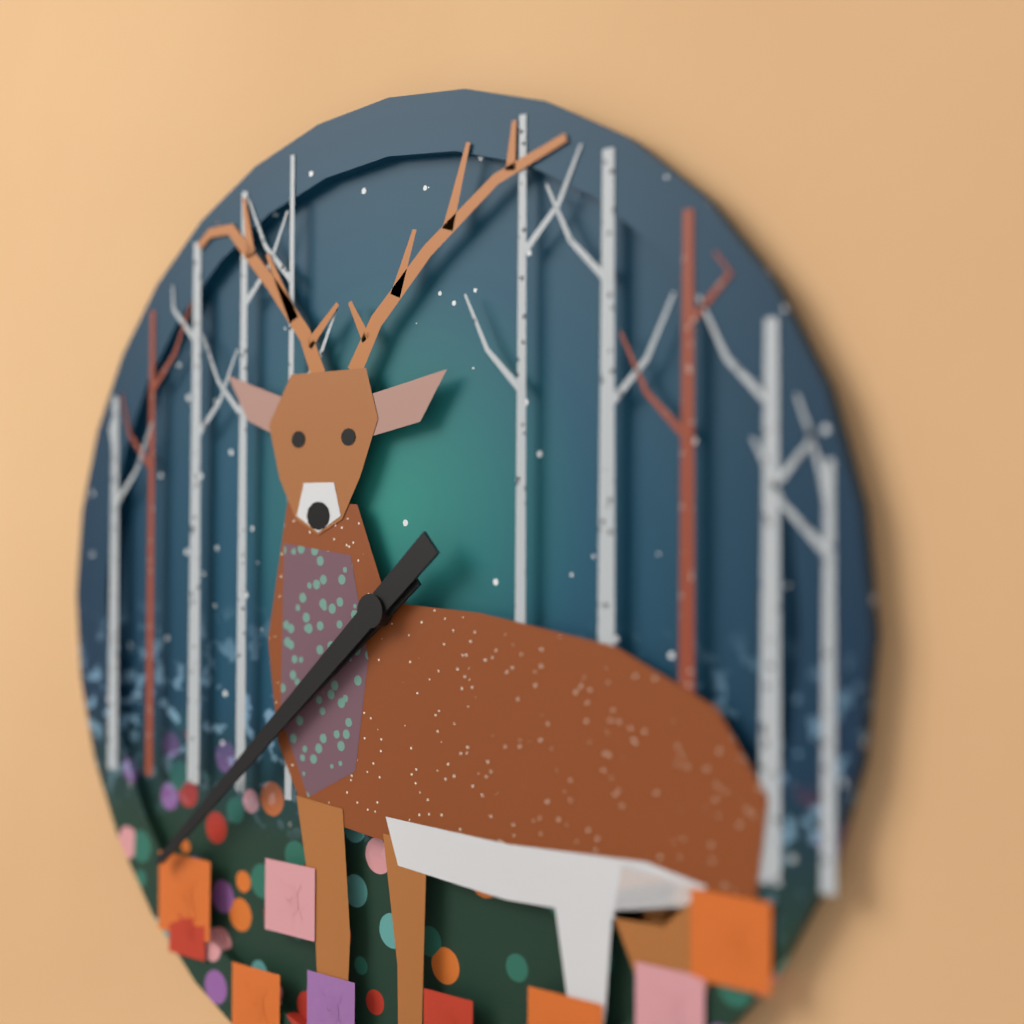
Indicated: 7,38
